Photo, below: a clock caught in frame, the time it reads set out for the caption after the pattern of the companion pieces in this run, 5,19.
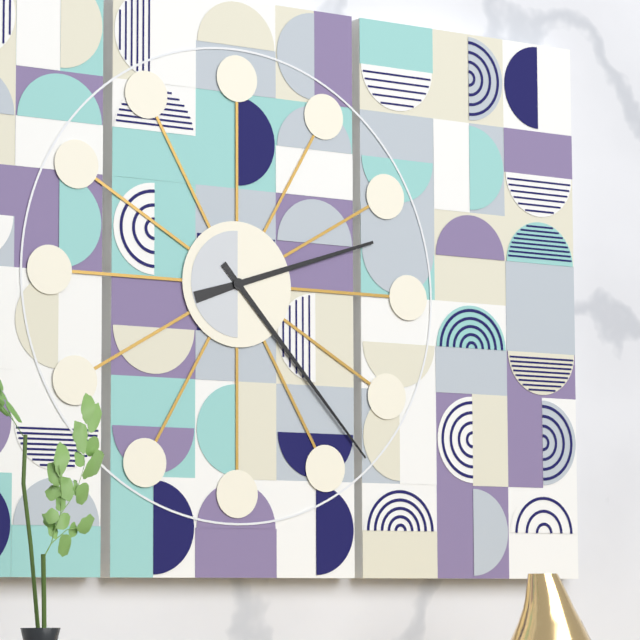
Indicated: 2,23
